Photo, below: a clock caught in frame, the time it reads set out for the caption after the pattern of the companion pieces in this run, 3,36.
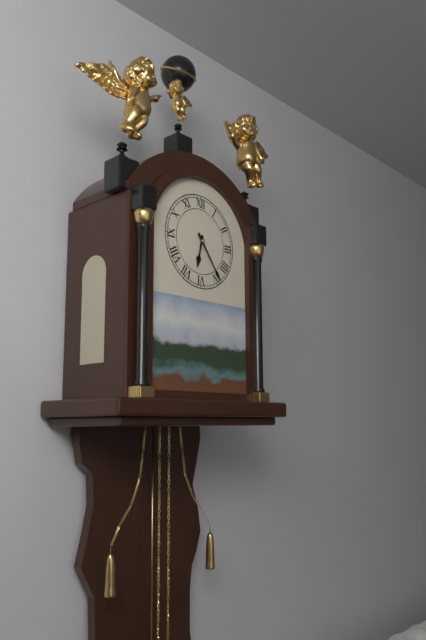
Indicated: 6,24
